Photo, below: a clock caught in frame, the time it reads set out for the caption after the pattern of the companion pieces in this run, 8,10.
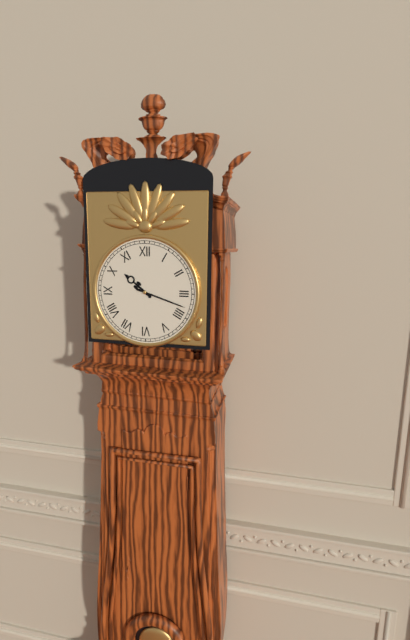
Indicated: 10,18
